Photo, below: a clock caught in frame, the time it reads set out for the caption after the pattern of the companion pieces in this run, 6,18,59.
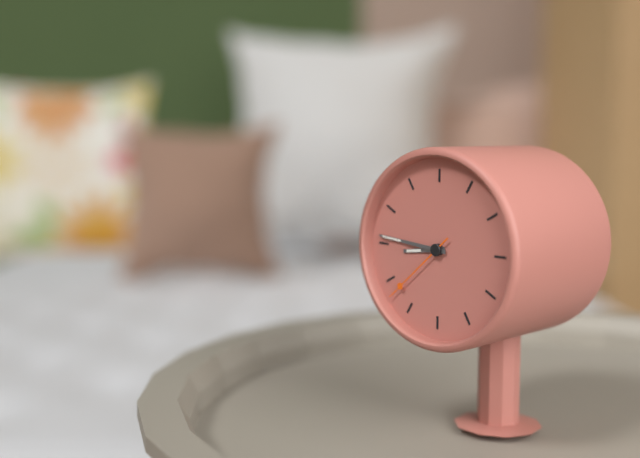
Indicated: 8,46,38
